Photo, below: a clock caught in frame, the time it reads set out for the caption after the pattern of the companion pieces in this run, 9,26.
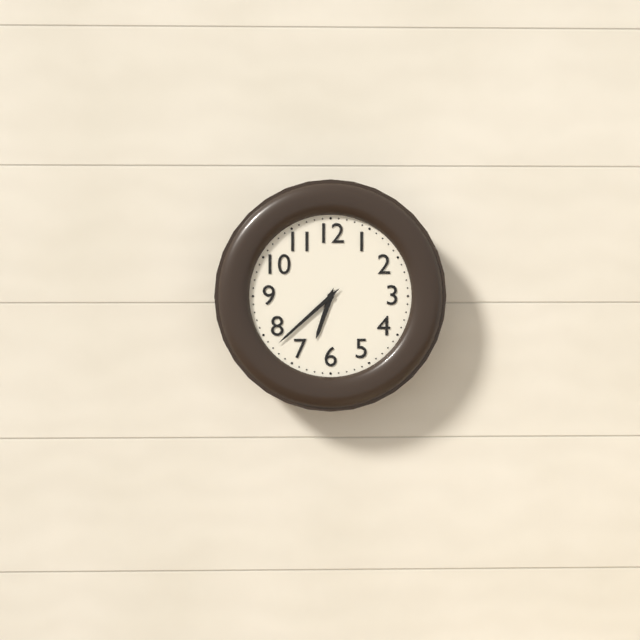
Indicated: 6,38
